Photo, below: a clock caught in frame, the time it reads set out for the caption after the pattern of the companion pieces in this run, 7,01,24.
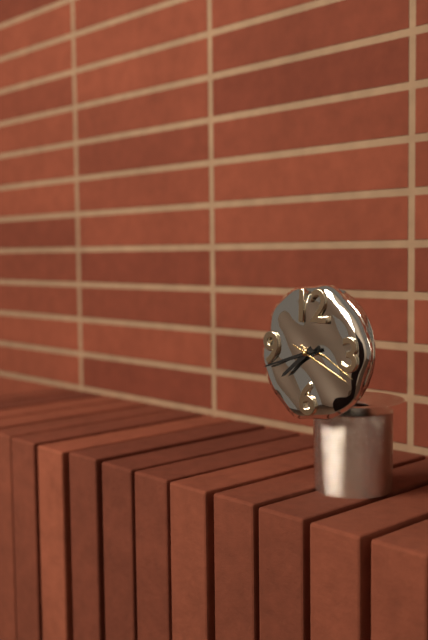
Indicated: 7,42,19
